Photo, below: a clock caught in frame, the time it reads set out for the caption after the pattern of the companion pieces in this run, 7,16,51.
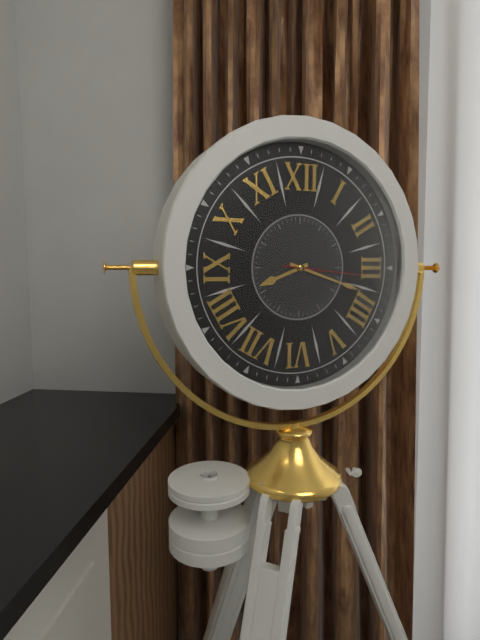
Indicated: 8,18,16
